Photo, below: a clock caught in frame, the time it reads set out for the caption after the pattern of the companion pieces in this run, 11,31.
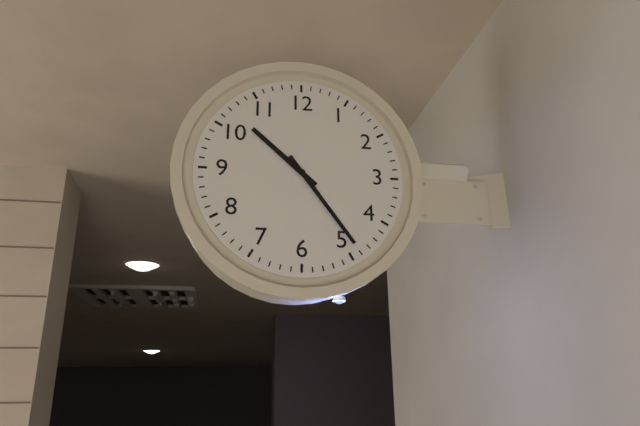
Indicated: 10,24
